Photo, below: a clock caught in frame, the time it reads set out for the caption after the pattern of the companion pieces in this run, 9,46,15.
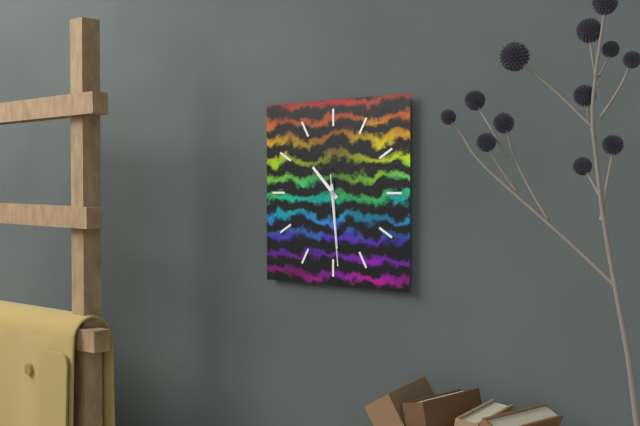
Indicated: 10,29,29
